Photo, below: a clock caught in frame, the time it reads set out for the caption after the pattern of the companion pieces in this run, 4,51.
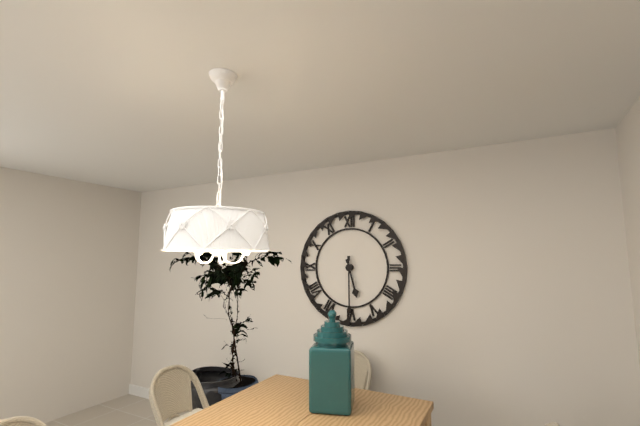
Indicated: 5,30
